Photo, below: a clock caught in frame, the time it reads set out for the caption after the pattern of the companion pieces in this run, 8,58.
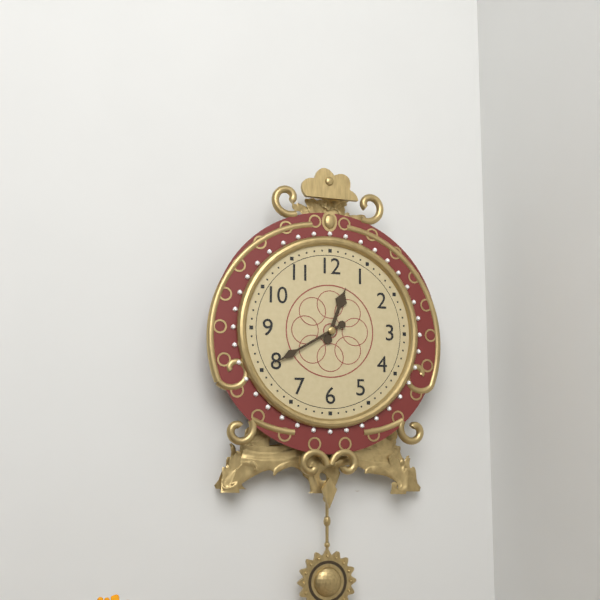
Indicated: 12,40
